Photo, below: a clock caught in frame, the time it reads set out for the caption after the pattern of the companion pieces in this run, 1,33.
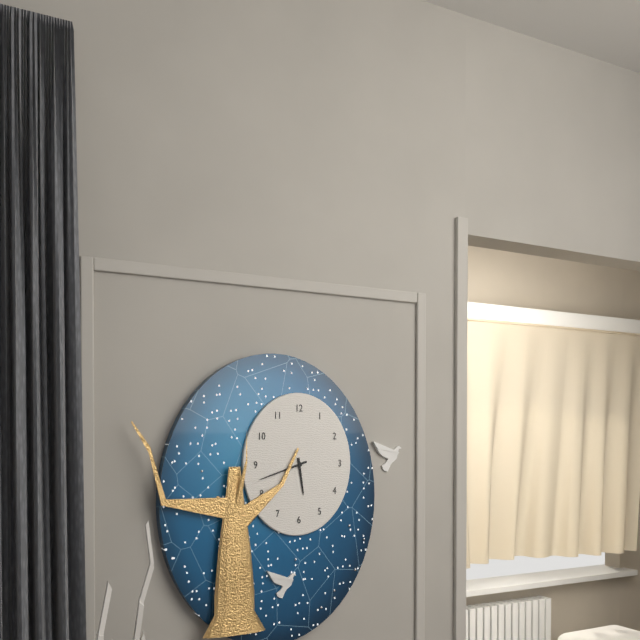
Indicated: 5,42
